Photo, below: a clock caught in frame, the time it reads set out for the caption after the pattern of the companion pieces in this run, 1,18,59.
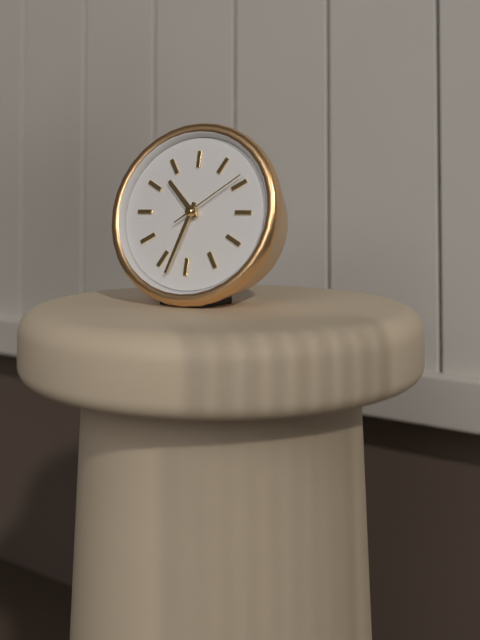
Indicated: 10,33,09
